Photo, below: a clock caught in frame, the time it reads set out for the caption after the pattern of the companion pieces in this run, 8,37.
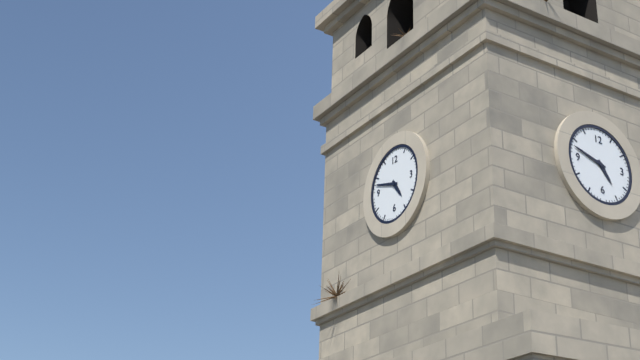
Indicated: 4,48
